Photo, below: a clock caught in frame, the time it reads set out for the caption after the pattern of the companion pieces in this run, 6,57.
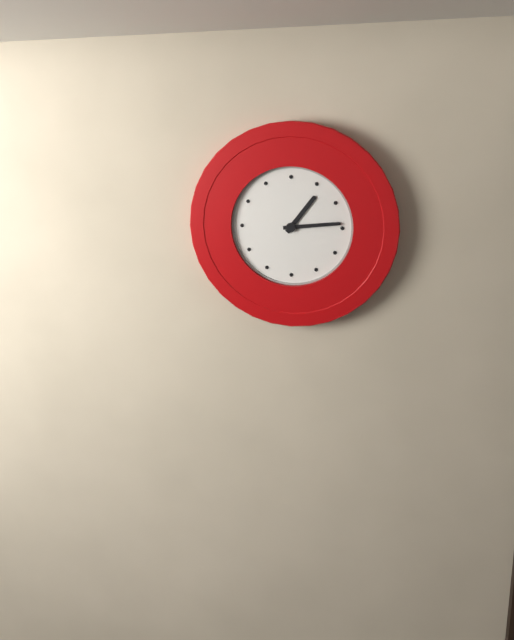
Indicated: 1,14
